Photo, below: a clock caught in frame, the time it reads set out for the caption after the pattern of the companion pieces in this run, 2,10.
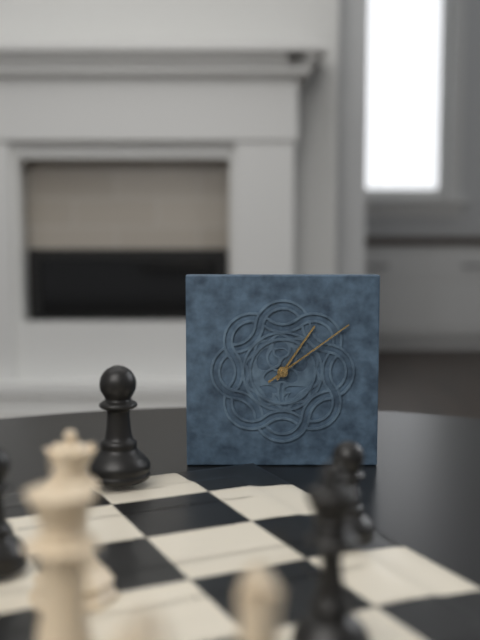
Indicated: 1,09
